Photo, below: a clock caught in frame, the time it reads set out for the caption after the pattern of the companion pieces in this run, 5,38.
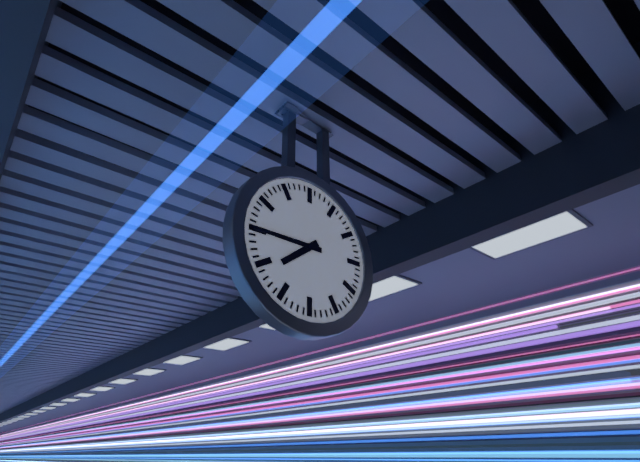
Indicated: 7,45
